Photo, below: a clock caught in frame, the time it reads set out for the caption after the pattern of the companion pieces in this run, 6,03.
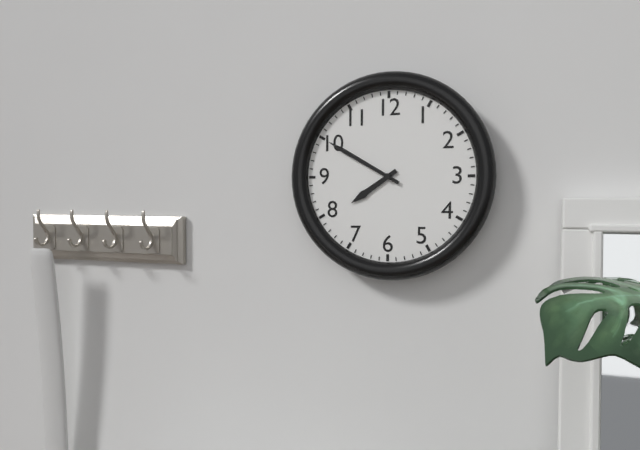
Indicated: 7,50
